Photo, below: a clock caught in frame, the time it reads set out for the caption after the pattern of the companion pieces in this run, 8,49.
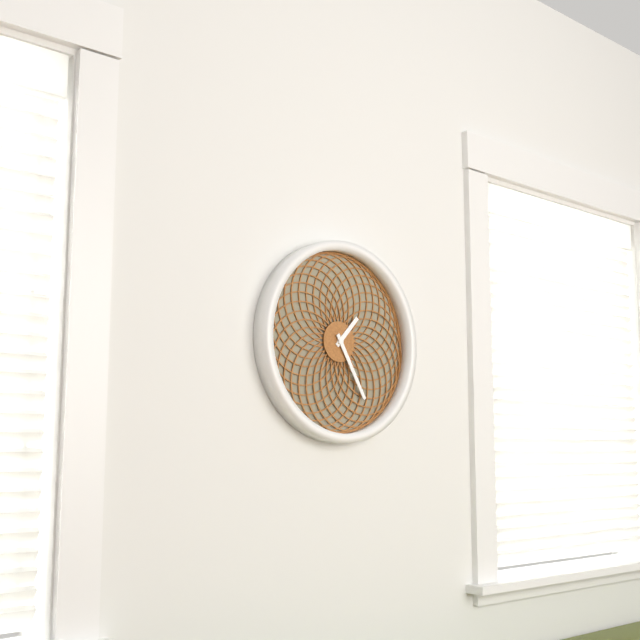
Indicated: 1,25
